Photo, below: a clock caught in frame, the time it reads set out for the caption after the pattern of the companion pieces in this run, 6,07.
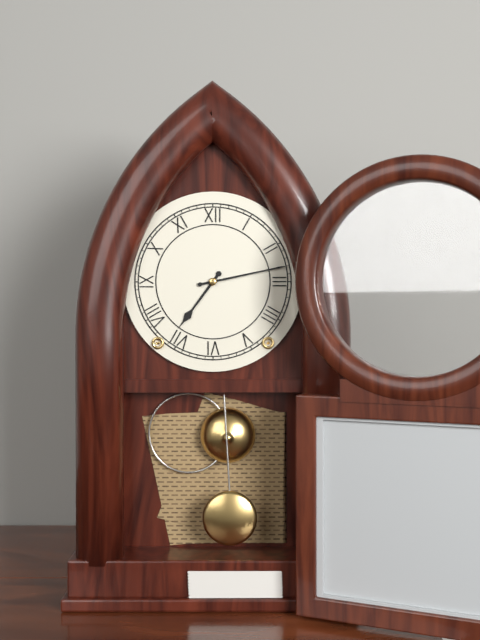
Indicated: 7,13
